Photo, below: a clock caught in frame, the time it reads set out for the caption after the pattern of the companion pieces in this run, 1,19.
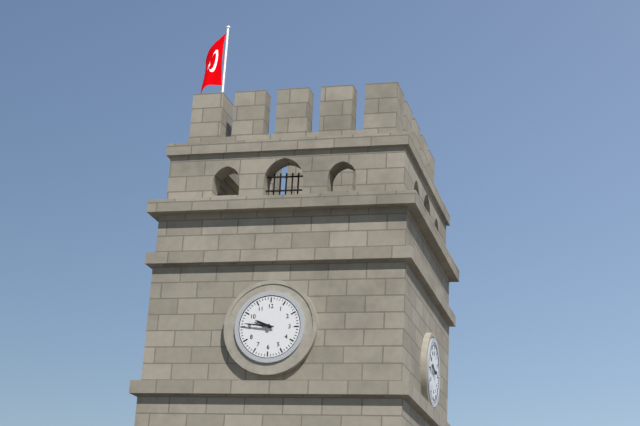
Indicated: 9,46
